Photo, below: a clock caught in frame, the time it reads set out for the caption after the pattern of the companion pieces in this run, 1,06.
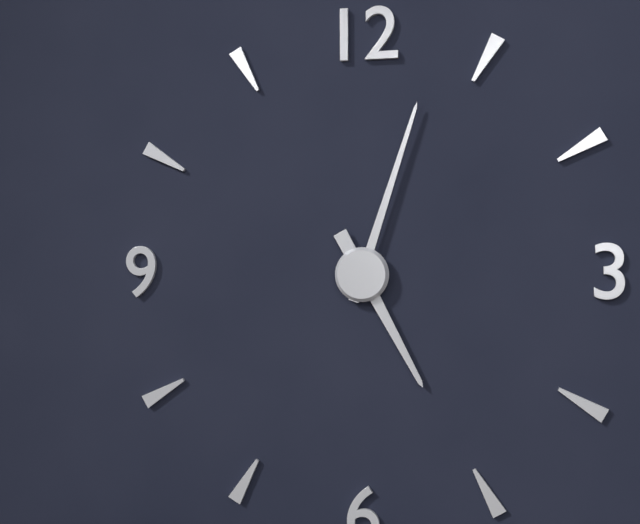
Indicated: 5,03
